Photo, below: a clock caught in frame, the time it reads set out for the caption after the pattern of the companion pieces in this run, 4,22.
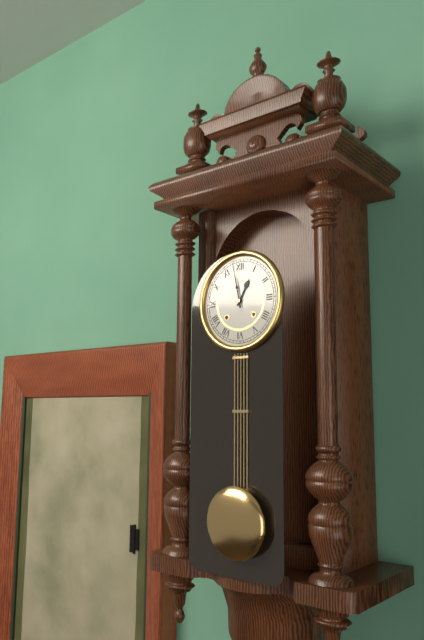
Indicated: 12,58
